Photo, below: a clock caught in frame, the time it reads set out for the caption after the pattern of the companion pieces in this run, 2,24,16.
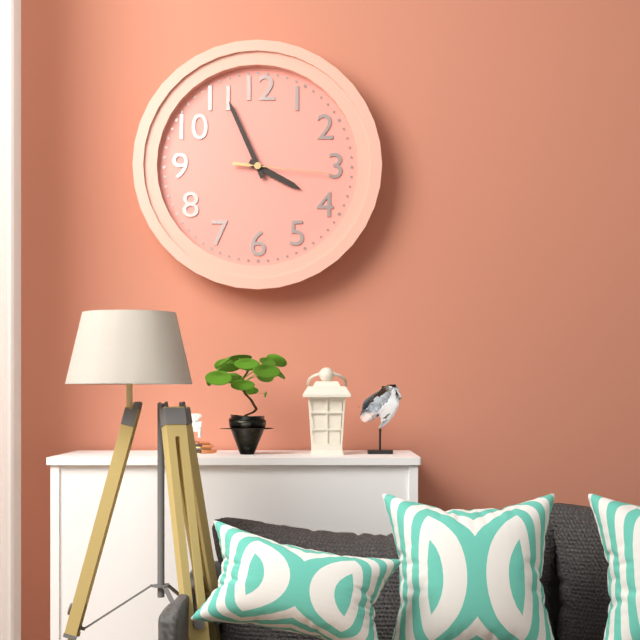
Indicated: 3,56,16
